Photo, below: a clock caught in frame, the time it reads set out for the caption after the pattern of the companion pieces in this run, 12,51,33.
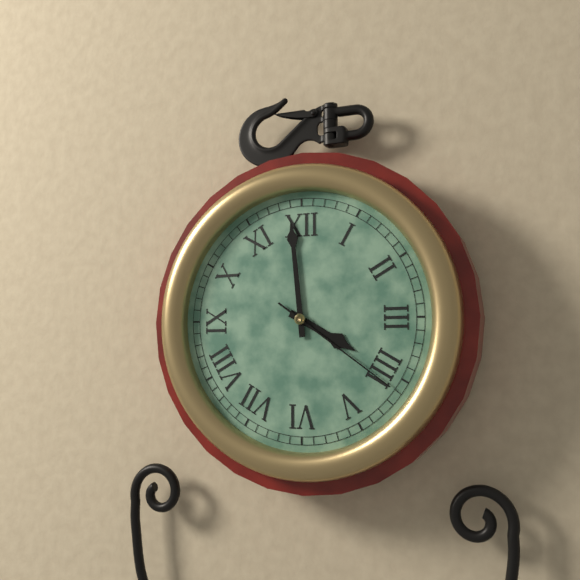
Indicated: 3,59,21
